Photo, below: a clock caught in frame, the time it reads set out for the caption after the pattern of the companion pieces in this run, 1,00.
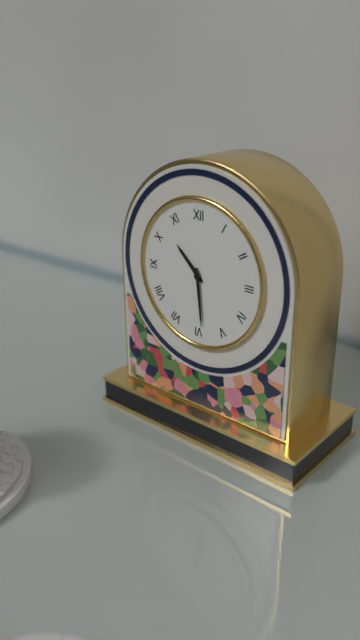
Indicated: 10,29
